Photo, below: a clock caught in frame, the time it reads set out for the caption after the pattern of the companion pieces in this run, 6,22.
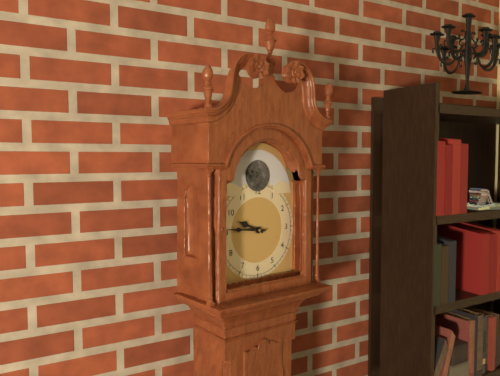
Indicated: 9,46
